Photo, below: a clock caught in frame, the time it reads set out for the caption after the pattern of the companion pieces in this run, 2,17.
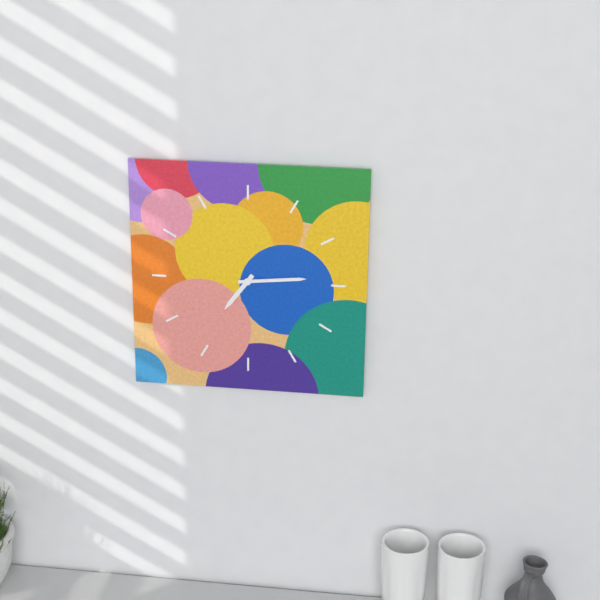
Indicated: 7,14
